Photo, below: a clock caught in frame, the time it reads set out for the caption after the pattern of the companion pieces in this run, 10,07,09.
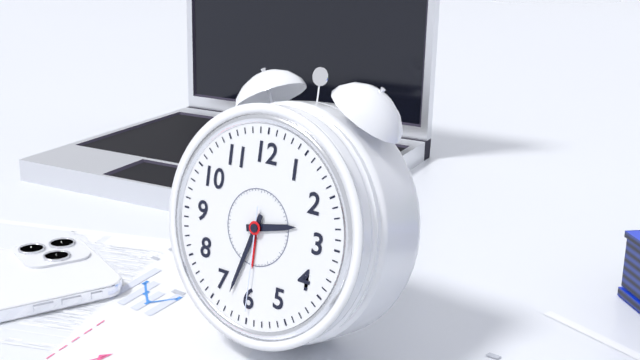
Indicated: 2,33,30
